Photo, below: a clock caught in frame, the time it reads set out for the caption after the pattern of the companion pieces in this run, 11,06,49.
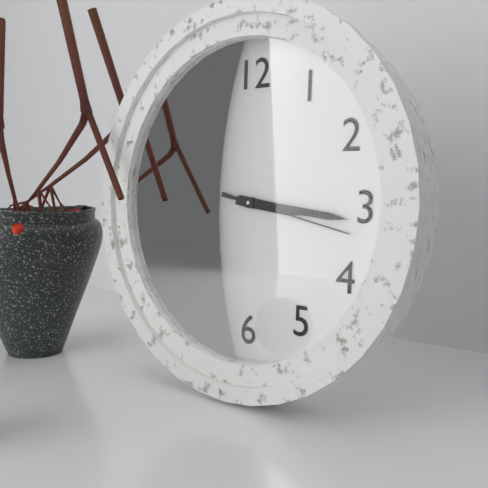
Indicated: 3,16,17
